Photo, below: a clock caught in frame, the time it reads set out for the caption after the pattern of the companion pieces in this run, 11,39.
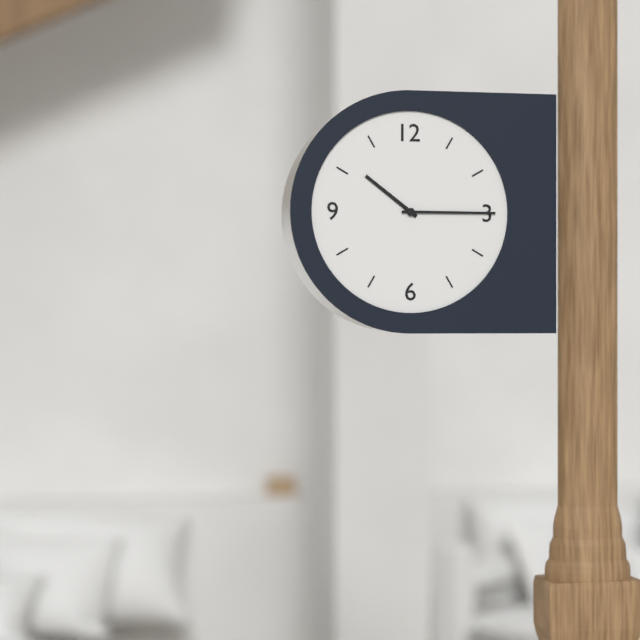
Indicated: 10,15
